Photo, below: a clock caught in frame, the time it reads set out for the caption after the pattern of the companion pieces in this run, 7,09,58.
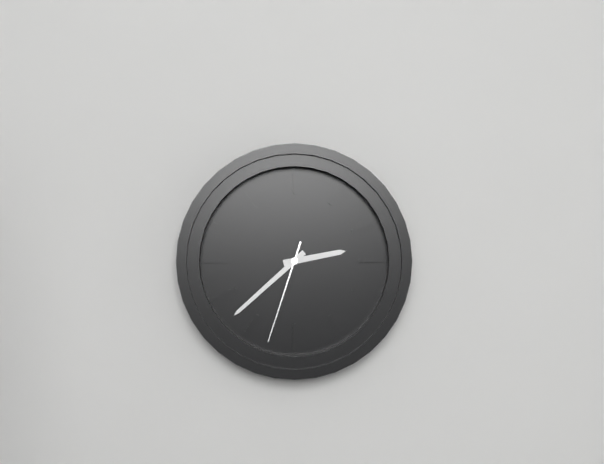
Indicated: 2,38,33
